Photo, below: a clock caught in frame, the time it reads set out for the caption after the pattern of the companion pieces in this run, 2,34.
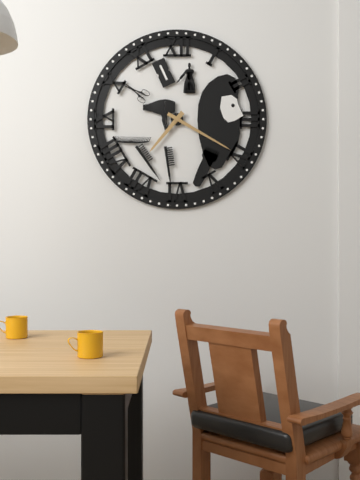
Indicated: 7,20
